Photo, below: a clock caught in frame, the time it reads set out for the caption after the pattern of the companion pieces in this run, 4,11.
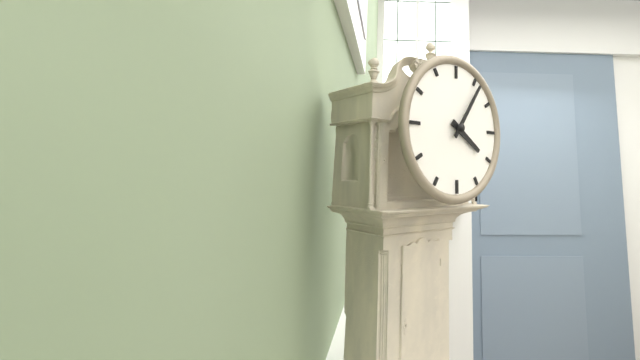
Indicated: 4,06
